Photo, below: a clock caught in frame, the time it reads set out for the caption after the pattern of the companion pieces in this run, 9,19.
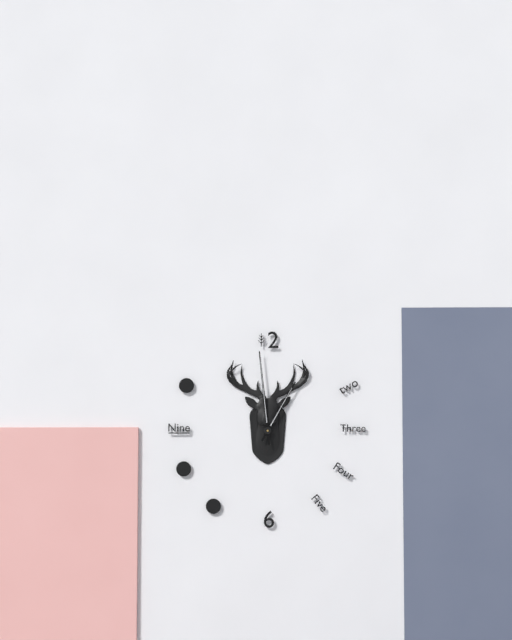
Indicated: 12,59
